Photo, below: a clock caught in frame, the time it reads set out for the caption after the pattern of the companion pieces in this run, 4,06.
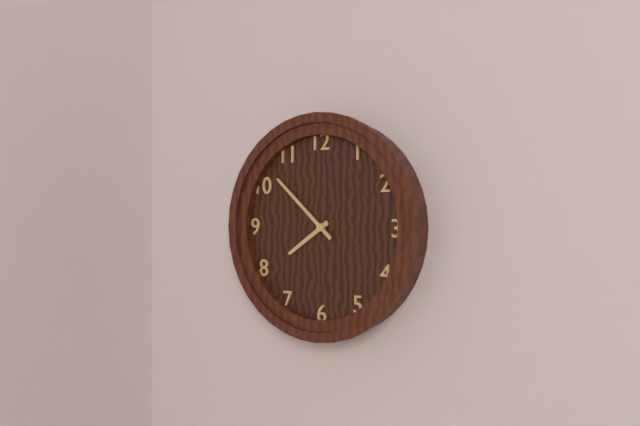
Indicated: 7,52
